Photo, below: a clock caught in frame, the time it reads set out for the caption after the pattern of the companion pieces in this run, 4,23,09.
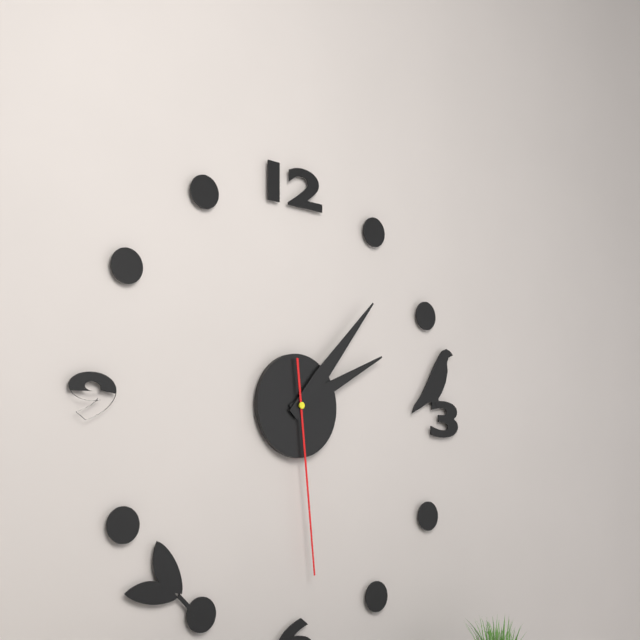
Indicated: 2,07,29
